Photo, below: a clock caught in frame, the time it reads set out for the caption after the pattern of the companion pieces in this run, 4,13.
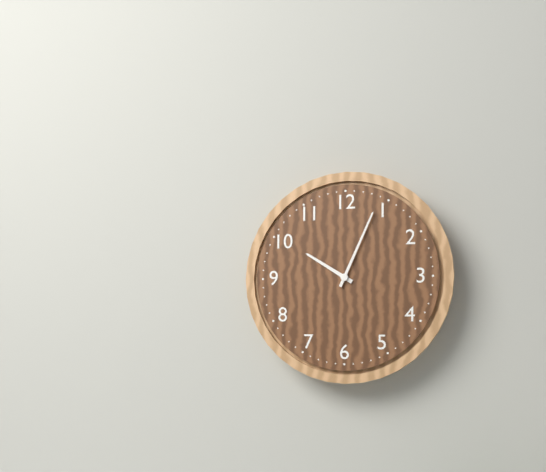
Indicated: 10,04
